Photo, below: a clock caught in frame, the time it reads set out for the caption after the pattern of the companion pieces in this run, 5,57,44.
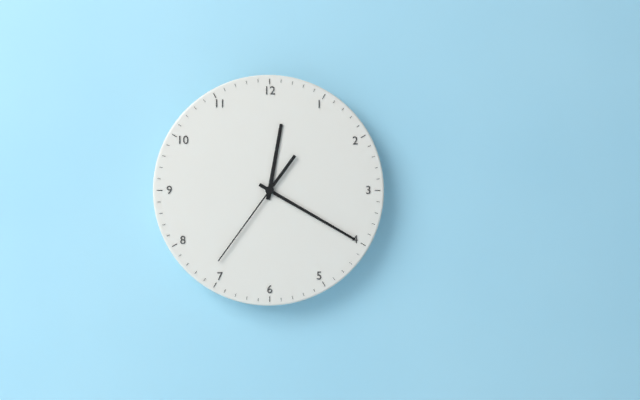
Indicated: 12,20,36
